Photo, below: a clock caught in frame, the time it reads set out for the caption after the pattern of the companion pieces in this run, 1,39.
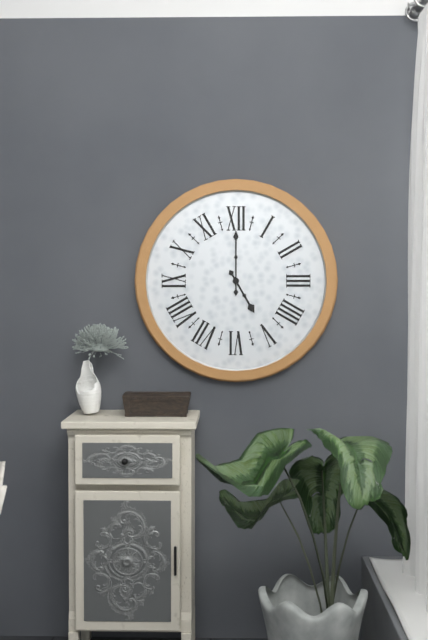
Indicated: 5,00
